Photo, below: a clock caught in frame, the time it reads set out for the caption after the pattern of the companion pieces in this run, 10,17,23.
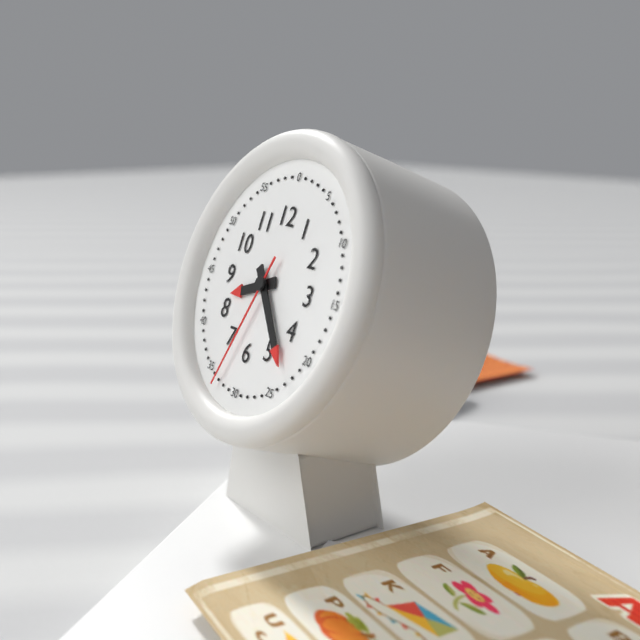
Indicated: 8,23,33
